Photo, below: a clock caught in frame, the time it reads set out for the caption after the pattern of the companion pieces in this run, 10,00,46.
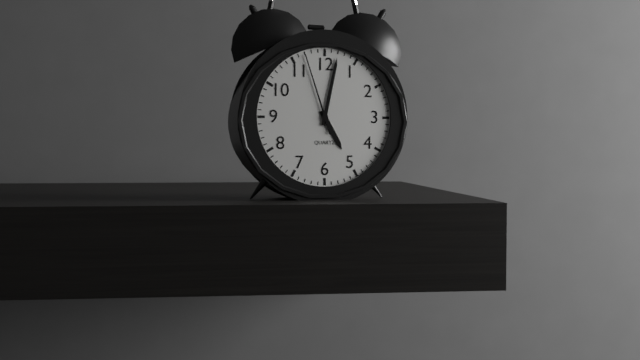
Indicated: 5,02,57
